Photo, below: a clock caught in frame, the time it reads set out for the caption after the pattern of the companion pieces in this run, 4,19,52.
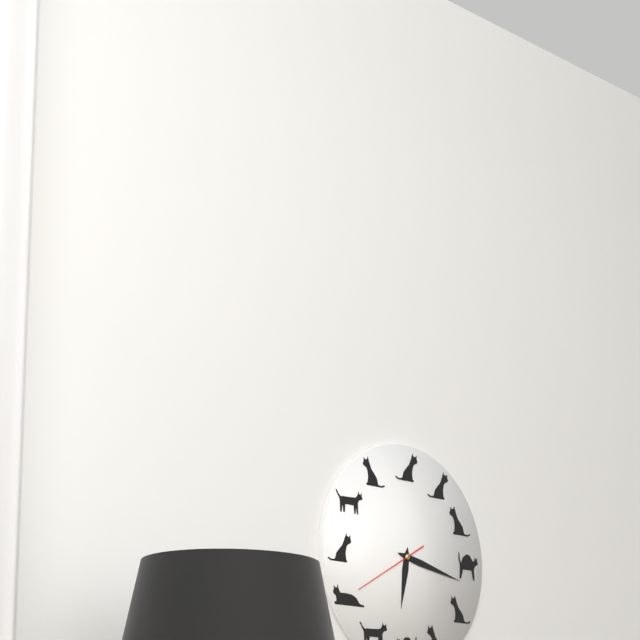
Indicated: 6,17,40
